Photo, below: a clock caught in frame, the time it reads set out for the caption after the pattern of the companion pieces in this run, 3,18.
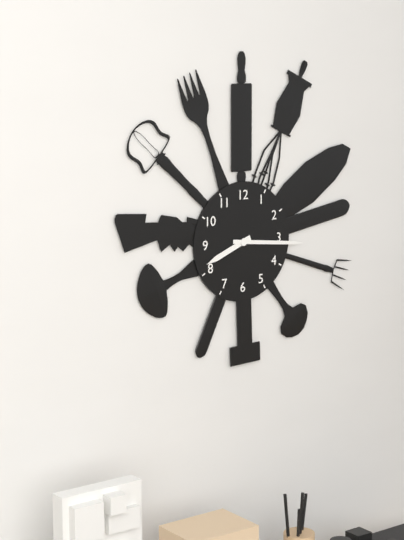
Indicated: 8,16
